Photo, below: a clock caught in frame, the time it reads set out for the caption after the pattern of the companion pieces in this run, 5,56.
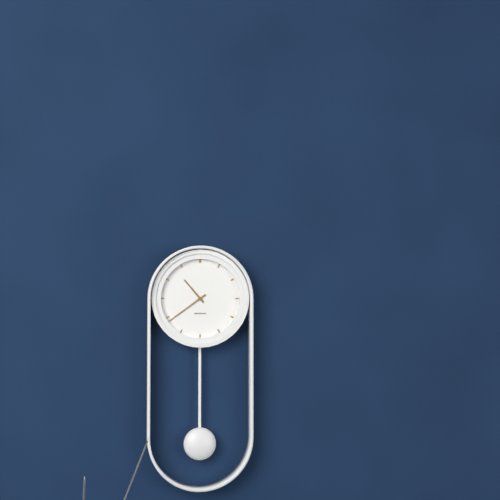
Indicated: 10,39
